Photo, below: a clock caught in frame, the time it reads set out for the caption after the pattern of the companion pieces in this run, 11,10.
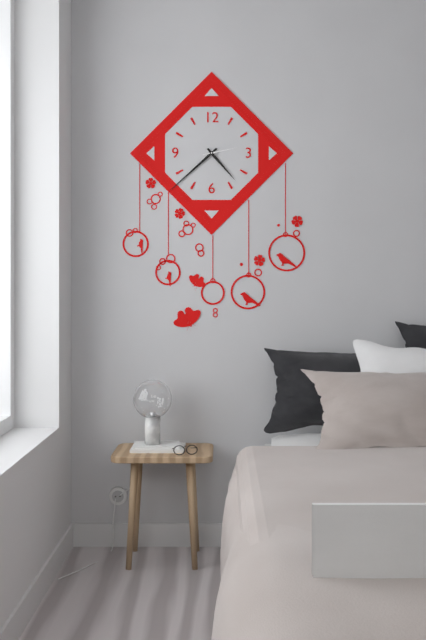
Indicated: 4,38
